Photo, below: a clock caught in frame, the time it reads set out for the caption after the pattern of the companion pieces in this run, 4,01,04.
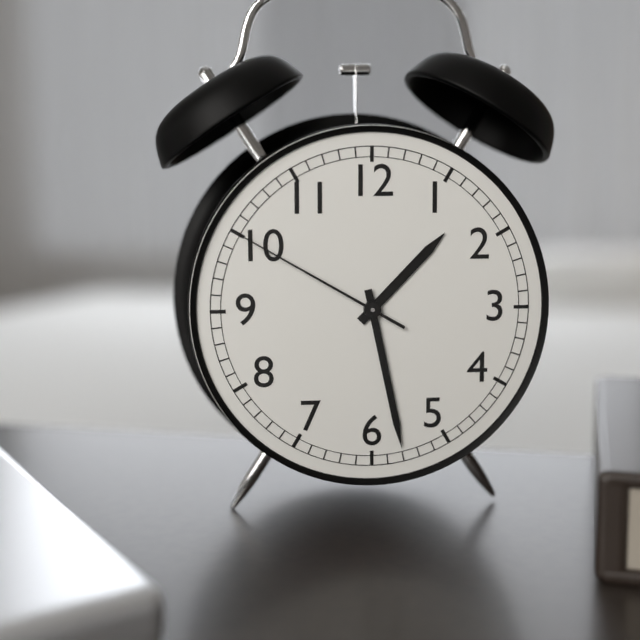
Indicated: 1,28,50
